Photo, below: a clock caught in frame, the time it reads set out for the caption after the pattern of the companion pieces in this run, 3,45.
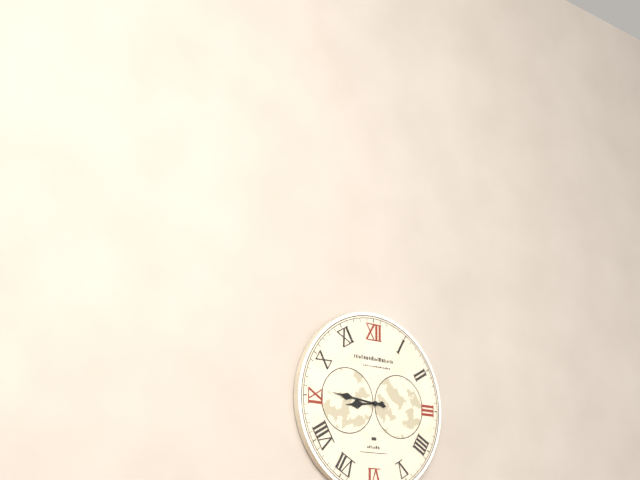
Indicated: 8,46
